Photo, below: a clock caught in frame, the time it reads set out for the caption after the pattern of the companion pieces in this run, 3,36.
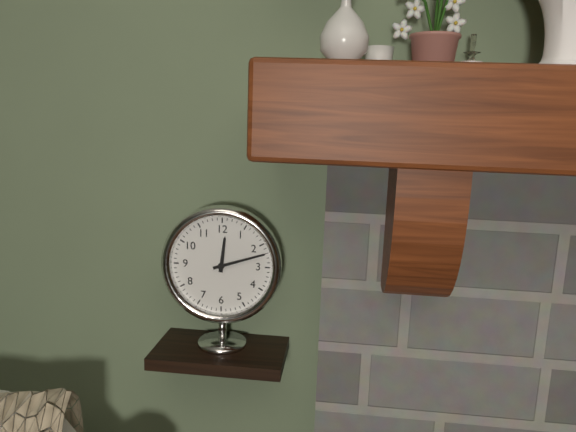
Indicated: 12,12
